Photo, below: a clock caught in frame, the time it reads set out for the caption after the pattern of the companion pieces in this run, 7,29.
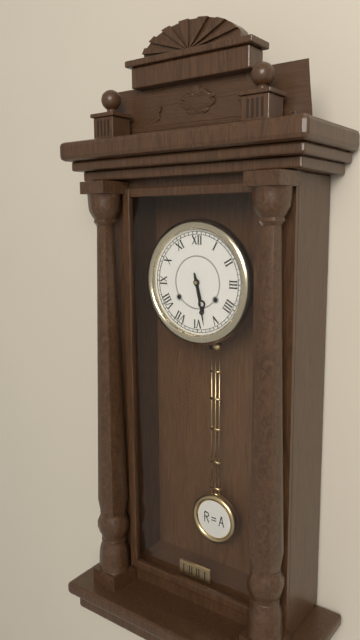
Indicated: 5,28
